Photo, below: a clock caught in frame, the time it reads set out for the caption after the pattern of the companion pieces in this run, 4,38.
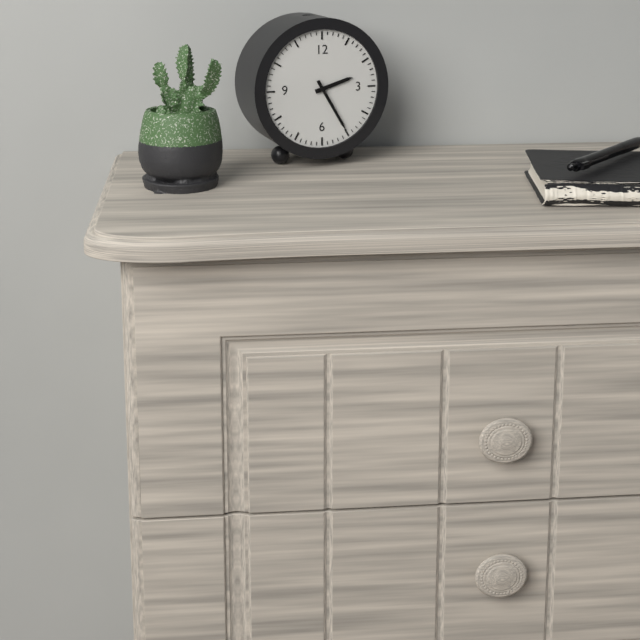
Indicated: 2,25
